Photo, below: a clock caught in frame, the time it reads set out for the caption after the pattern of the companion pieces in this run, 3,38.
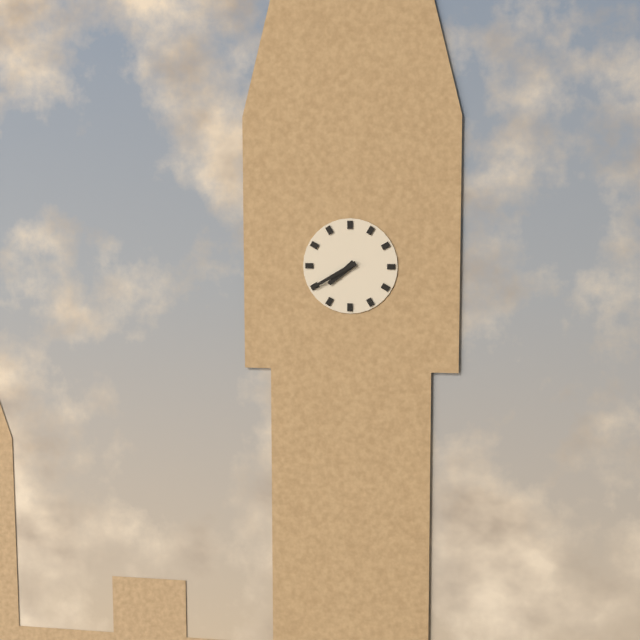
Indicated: 7,40
